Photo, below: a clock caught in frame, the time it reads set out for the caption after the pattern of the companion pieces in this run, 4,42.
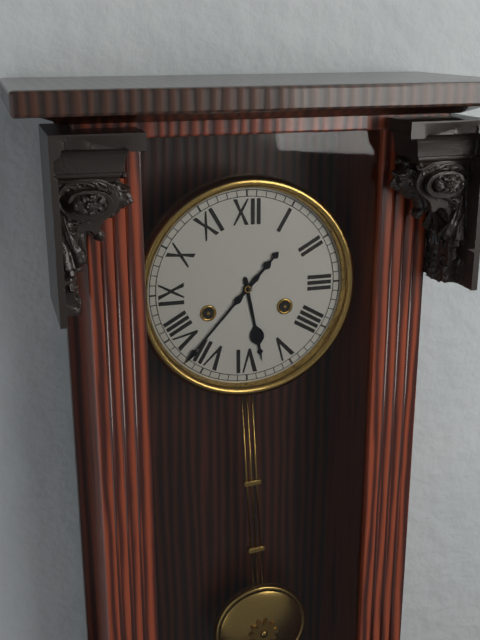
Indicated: 5,37
